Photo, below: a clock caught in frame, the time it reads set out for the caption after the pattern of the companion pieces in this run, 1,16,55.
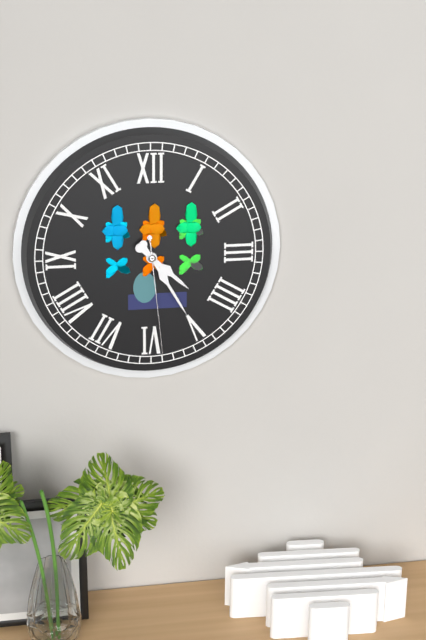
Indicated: 4,25,29
